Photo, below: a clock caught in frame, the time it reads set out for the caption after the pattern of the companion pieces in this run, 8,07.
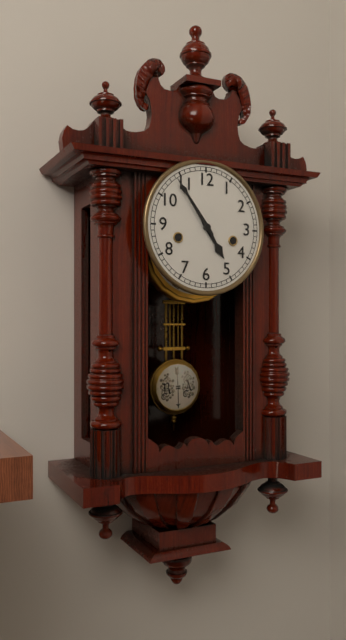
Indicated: 4,54
